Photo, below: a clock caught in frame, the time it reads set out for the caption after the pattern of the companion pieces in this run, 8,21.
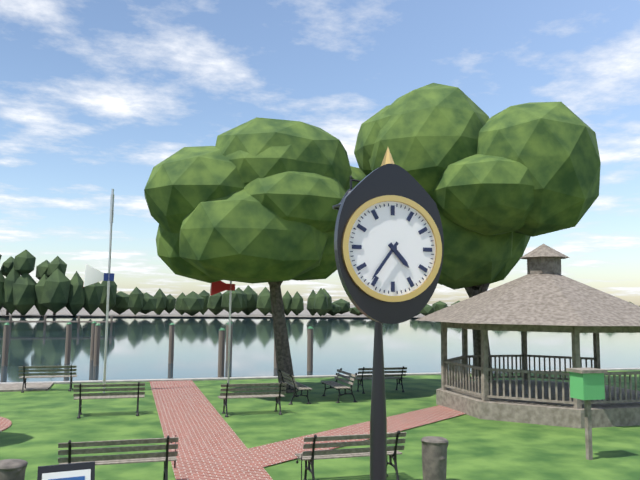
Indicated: 4,36
